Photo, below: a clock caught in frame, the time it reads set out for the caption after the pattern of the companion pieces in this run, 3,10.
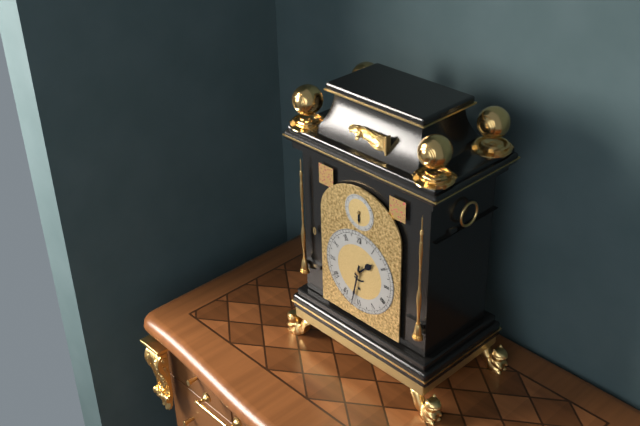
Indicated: 1,32
